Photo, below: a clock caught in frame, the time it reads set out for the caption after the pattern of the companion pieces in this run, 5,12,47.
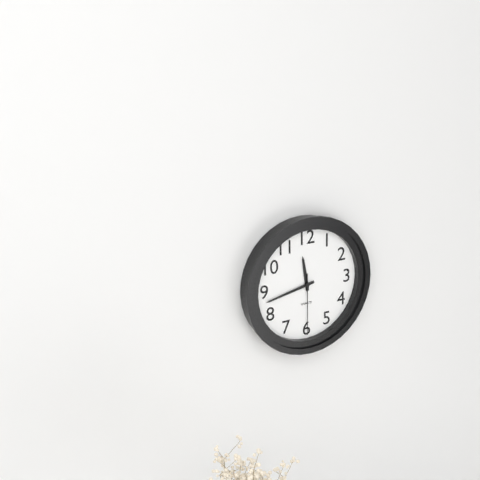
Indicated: 11,43,30
